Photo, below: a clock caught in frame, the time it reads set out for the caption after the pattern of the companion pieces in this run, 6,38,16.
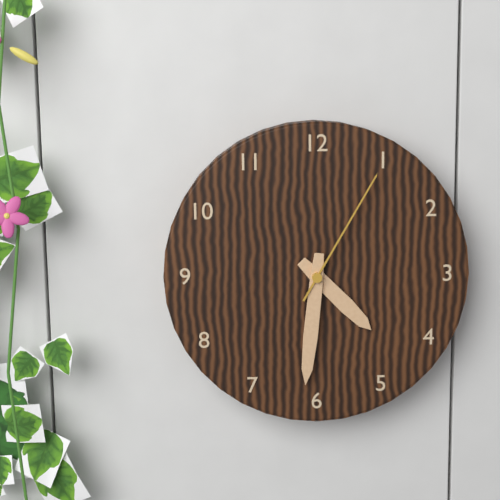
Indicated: 4,31,05
